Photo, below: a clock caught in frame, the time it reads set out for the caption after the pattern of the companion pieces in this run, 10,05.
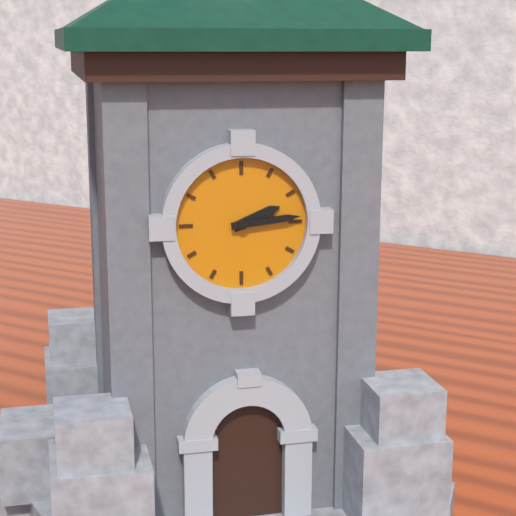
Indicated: 2,14
